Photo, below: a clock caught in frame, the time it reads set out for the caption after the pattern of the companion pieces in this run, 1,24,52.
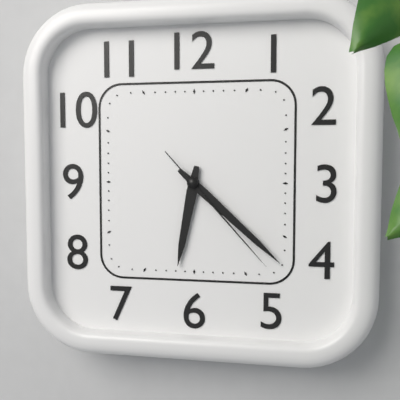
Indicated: 6,22,23
